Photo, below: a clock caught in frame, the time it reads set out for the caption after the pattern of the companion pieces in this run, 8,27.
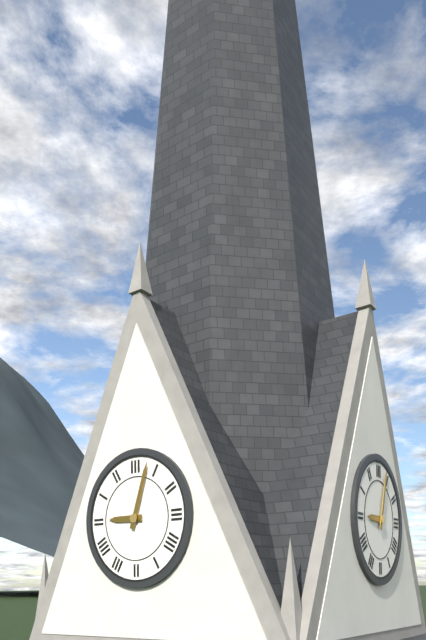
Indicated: 9,03
